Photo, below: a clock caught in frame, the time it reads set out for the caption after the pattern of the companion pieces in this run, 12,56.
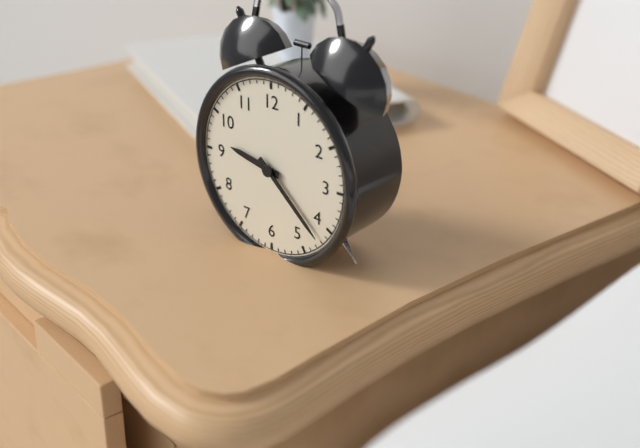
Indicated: 9,22
